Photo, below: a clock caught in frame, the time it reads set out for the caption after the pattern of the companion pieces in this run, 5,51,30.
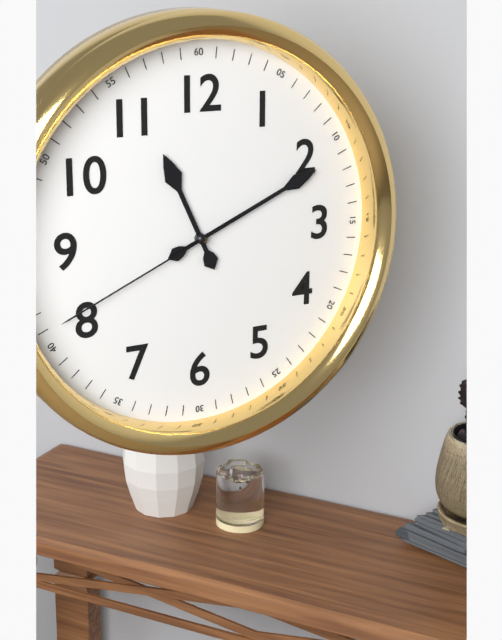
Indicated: 11,11,41
